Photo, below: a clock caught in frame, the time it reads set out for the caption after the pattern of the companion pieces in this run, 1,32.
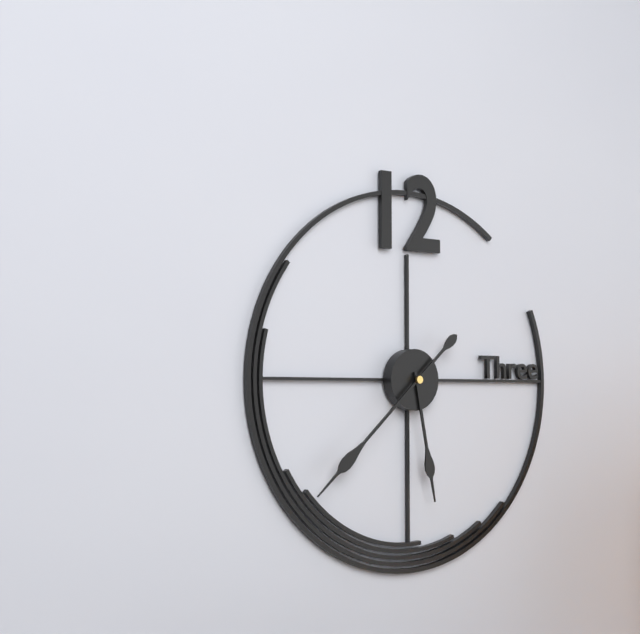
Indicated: 5,38
